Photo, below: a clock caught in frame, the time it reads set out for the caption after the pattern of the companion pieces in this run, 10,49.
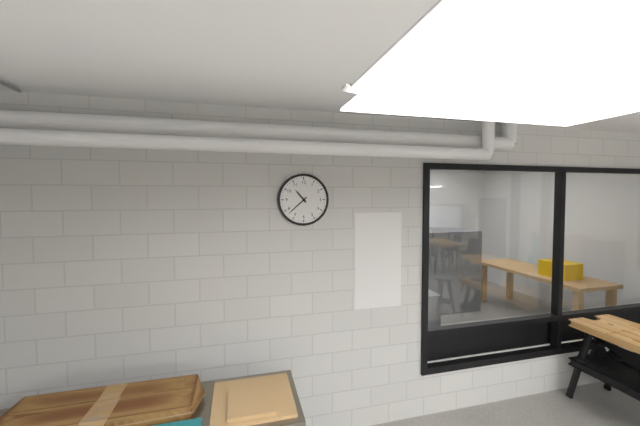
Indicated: 10,38
